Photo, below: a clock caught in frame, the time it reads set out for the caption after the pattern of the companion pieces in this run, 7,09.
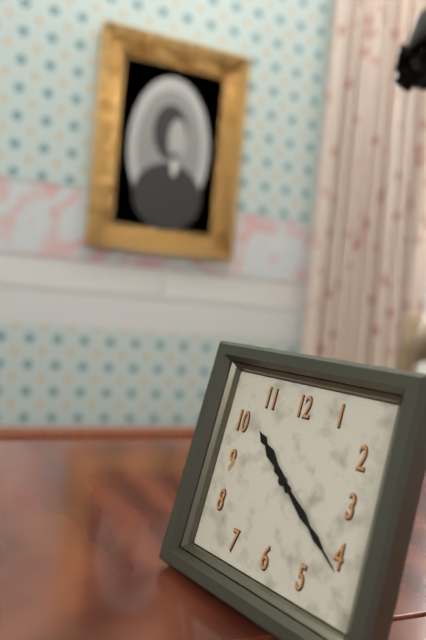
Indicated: 10,21
